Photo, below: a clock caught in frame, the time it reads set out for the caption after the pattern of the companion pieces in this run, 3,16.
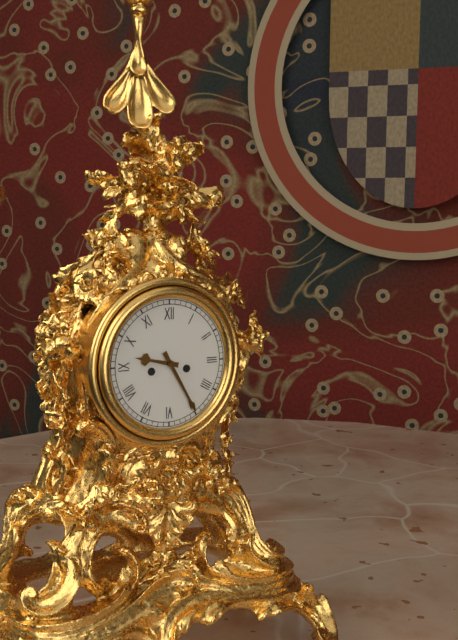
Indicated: 9,25
